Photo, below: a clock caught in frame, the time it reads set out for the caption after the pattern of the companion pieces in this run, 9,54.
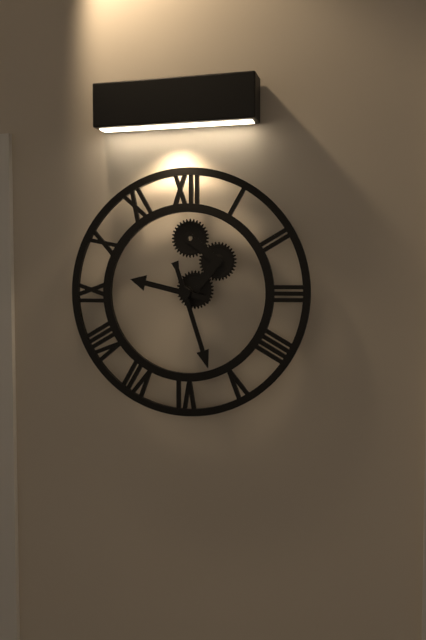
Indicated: 9,27
